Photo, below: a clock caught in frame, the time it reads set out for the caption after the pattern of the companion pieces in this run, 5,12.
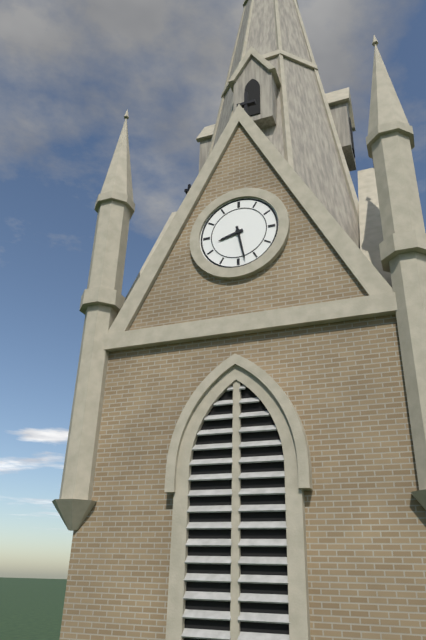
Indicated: 8,28
